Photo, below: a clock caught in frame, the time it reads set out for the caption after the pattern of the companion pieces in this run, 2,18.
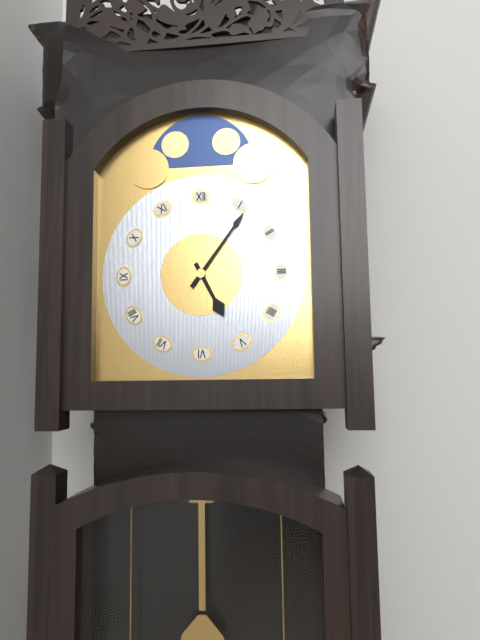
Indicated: 5,06
